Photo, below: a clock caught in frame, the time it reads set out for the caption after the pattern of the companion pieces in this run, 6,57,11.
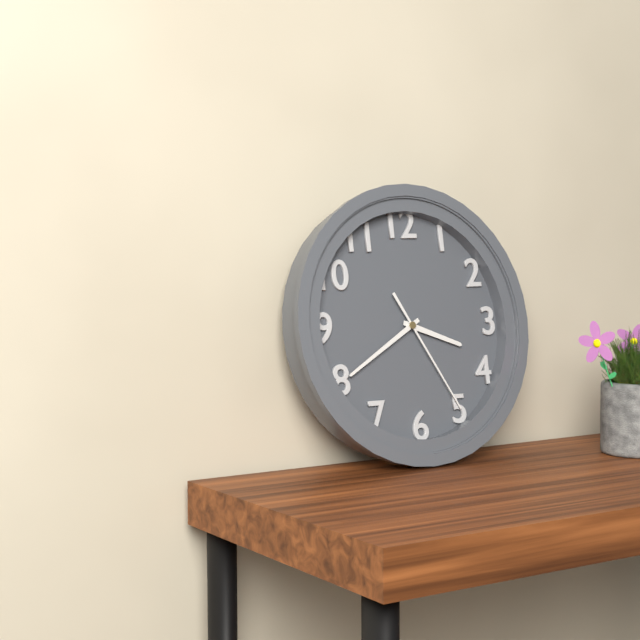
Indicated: 3,40,25
